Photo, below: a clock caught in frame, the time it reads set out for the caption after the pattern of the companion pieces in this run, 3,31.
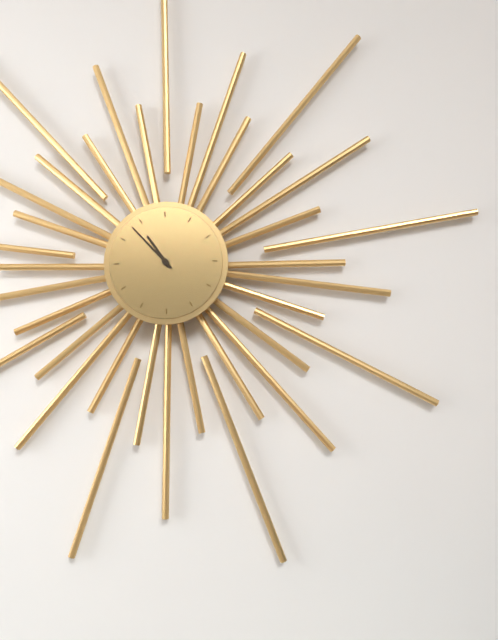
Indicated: 10,53
